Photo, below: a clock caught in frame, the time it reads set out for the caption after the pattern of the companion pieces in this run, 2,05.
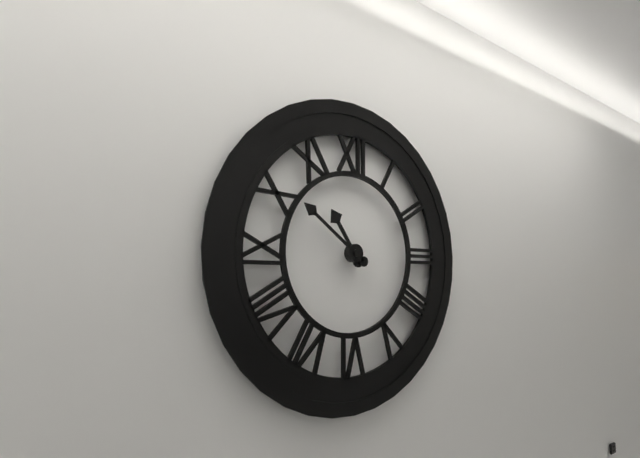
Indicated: 10,51
